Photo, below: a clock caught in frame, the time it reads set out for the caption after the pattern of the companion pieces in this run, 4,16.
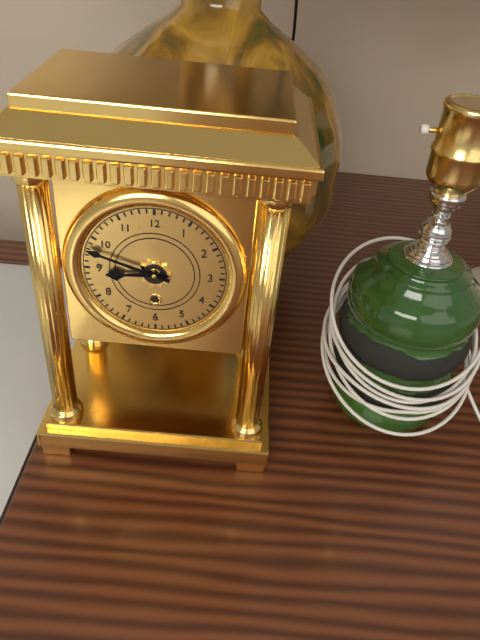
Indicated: 8,48
